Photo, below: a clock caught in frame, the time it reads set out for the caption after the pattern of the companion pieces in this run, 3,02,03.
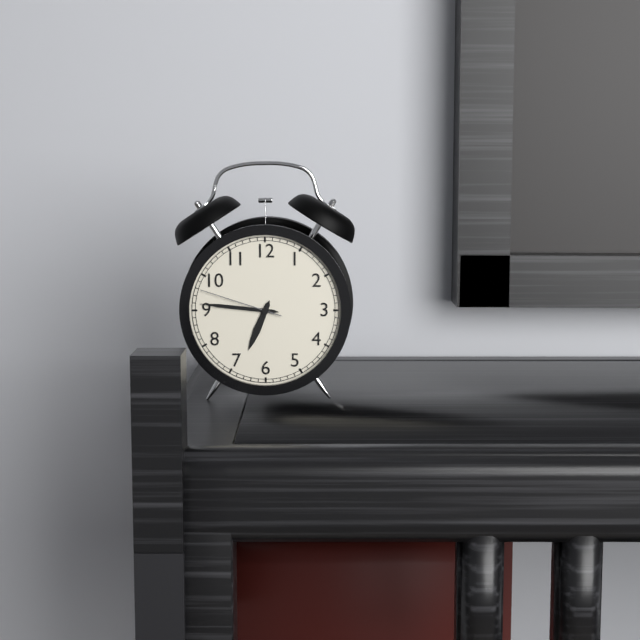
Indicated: 6,46,48
